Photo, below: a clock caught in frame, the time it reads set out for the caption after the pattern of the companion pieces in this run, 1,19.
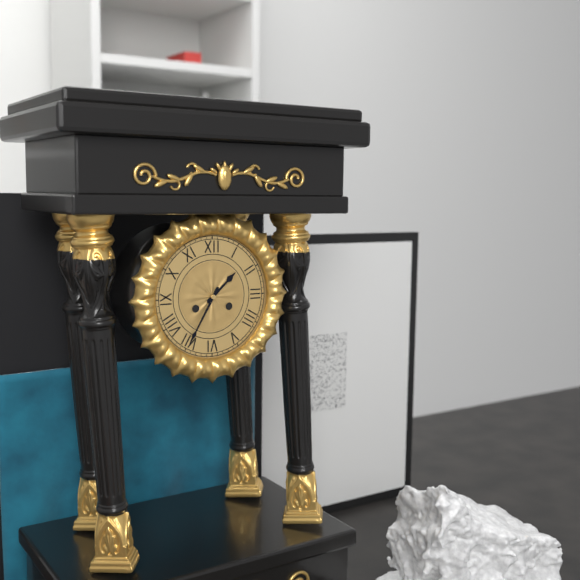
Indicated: 1,35
